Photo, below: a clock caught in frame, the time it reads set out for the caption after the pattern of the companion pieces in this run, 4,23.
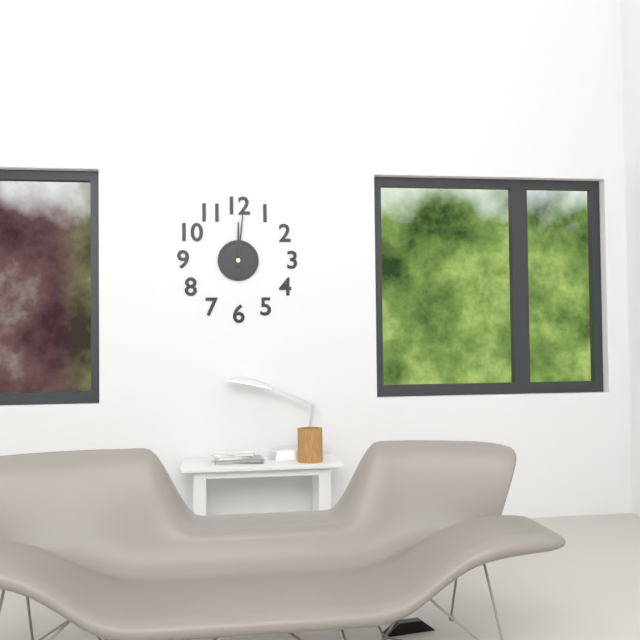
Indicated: 12,01
